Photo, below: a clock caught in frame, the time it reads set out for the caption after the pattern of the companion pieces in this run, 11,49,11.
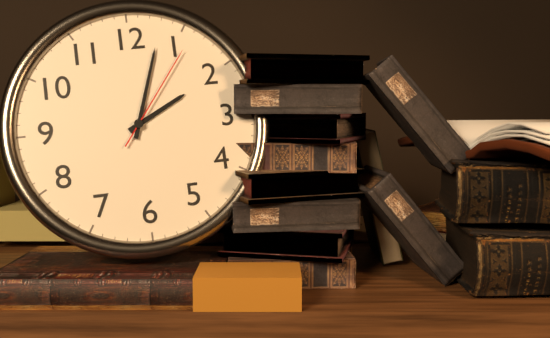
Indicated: 2,03,06
